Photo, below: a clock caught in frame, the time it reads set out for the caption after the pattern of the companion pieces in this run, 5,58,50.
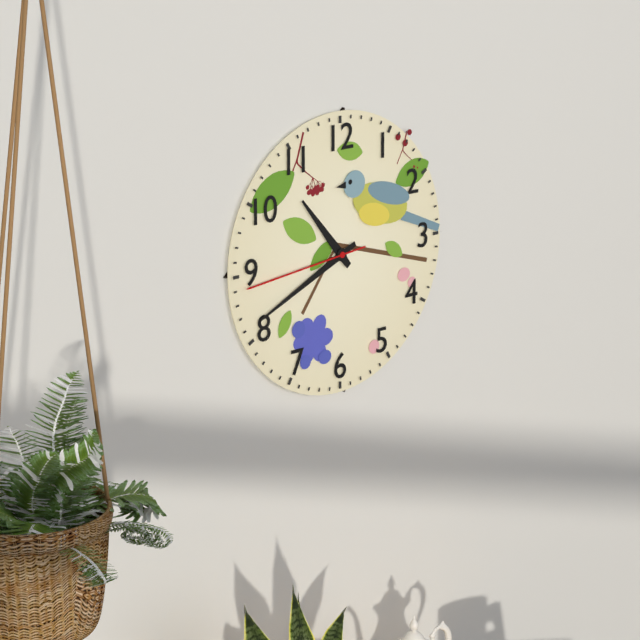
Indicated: 10,41,44
